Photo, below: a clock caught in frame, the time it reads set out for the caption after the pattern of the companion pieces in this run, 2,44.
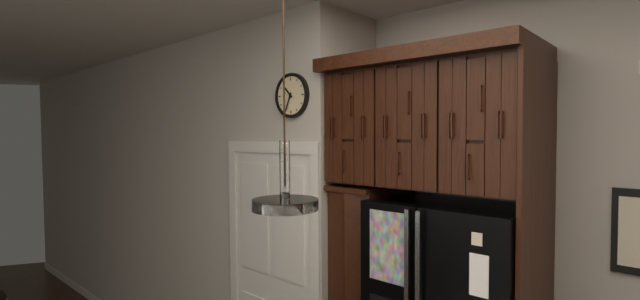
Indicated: 10,34
